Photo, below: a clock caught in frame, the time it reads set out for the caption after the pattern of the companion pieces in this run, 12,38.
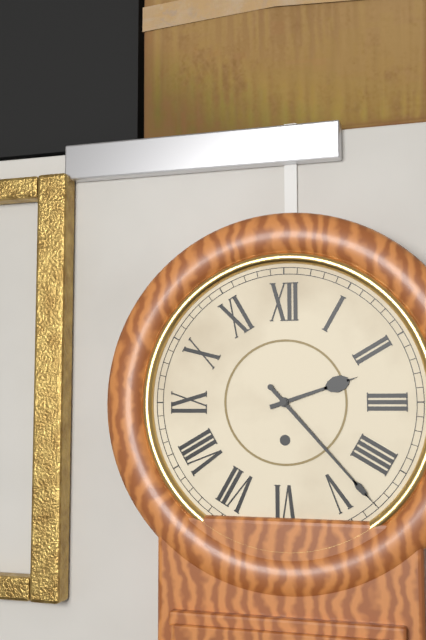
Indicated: 2,23
